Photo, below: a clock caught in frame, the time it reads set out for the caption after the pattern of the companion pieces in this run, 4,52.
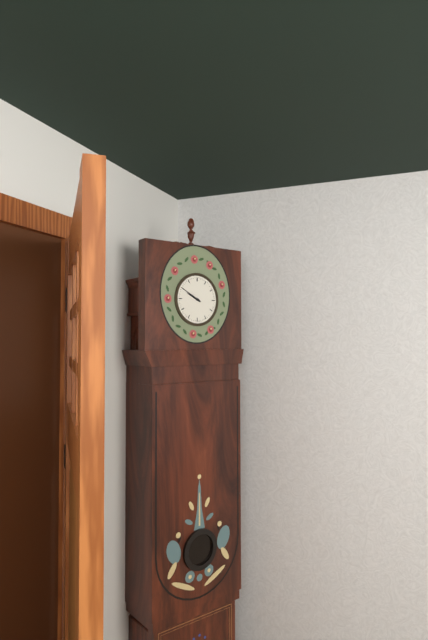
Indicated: 9,50
